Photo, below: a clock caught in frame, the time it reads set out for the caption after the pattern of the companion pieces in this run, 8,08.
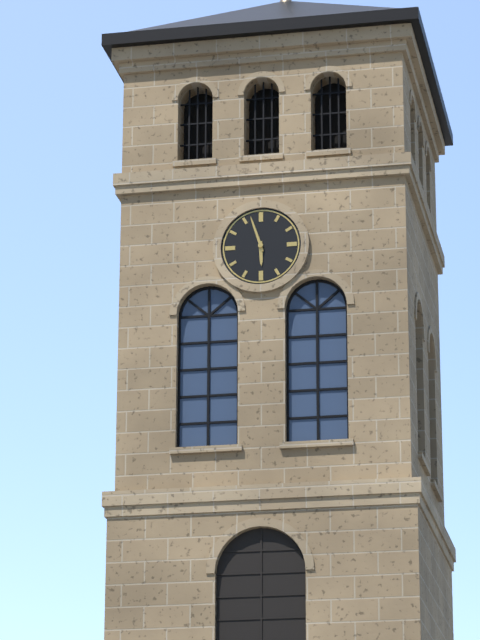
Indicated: 5,57
